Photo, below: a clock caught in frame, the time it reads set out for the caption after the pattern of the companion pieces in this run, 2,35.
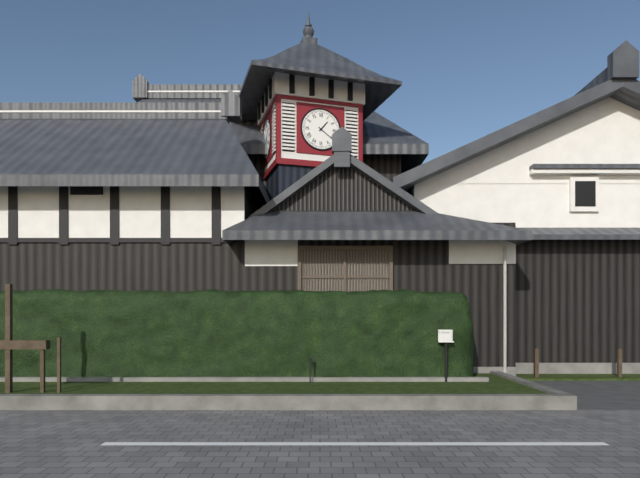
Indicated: 1,21
